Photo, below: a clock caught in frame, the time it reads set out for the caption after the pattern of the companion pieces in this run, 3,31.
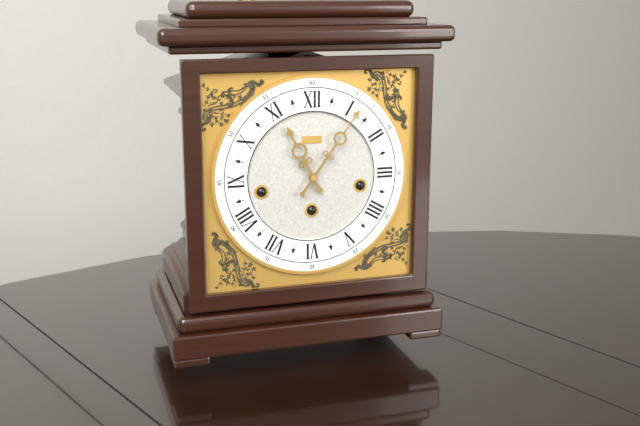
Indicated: 11,06
